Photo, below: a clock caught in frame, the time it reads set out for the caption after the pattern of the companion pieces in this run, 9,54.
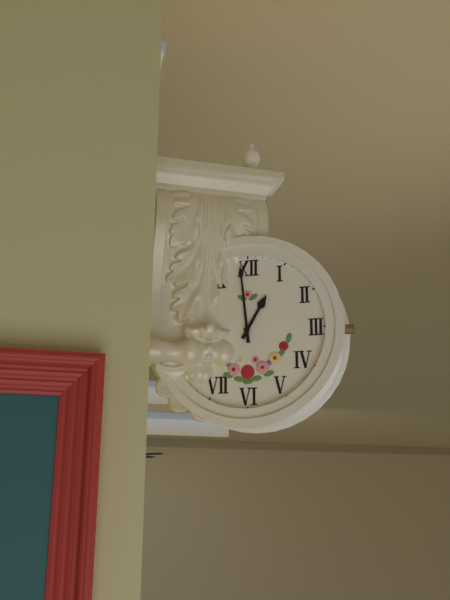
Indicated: 12,59
